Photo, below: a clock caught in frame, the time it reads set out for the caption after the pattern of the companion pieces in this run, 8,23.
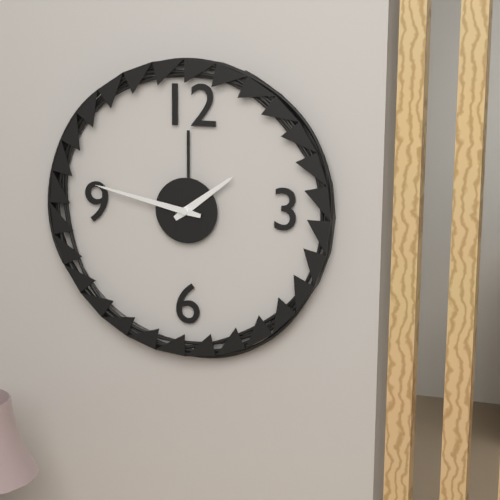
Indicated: 1,47
